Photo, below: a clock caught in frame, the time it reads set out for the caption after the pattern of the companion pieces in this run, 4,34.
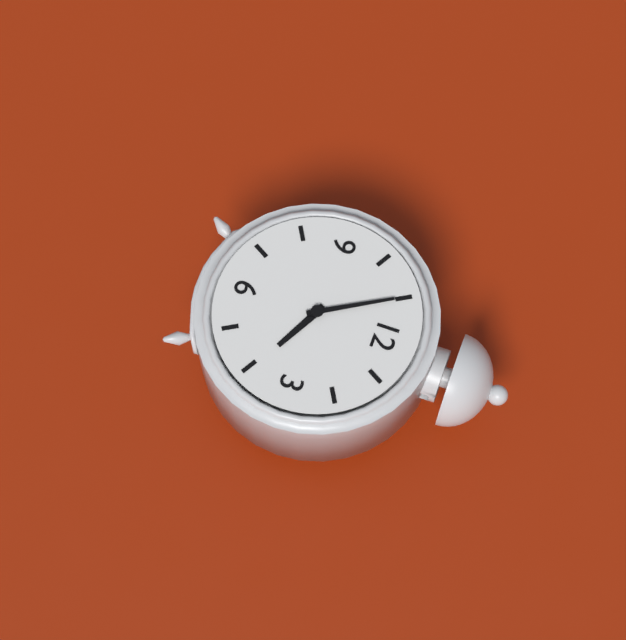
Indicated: 3,55
